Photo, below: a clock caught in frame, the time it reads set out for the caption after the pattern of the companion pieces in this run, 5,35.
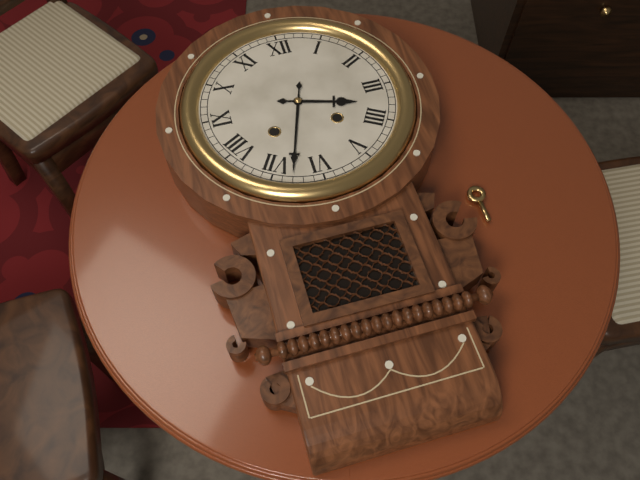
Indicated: 3,33
